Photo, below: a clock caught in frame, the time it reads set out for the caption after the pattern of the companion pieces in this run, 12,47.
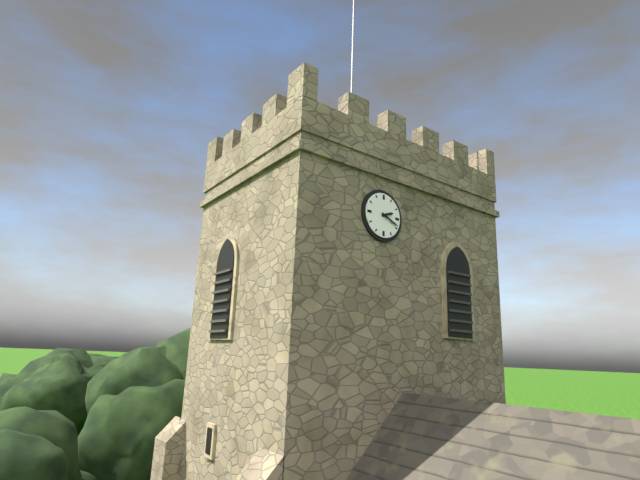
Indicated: 2,19
